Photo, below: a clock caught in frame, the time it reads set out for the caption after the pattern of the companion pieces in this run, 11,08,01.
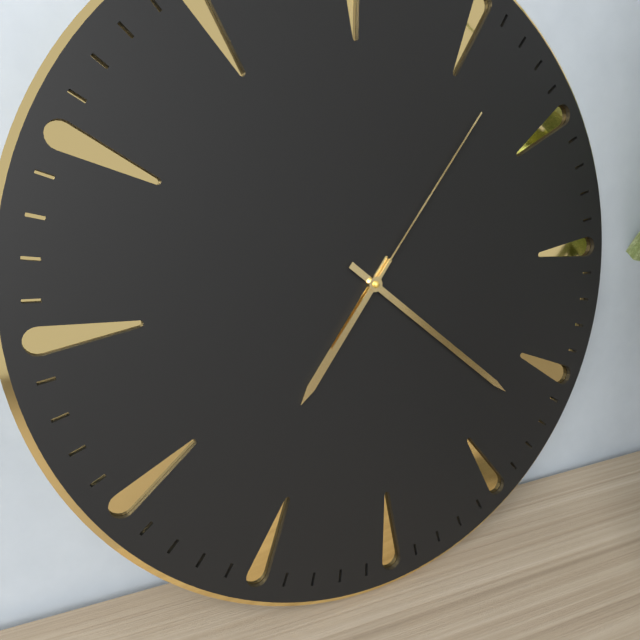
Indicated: 7,22,07
